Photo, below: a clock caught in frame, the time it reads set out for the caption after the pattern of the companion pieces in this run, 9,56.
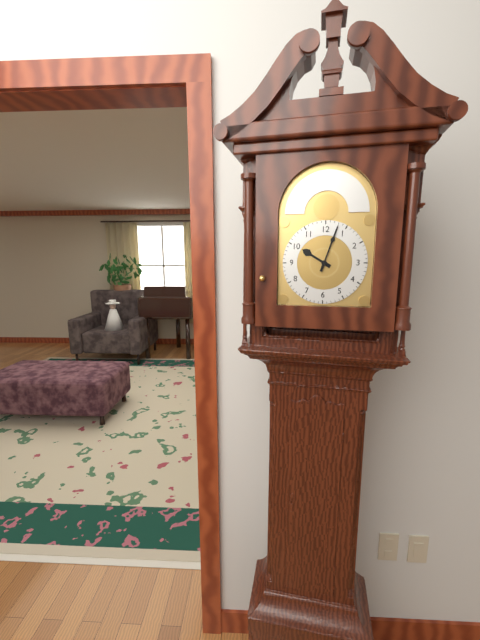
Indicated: 10,03
